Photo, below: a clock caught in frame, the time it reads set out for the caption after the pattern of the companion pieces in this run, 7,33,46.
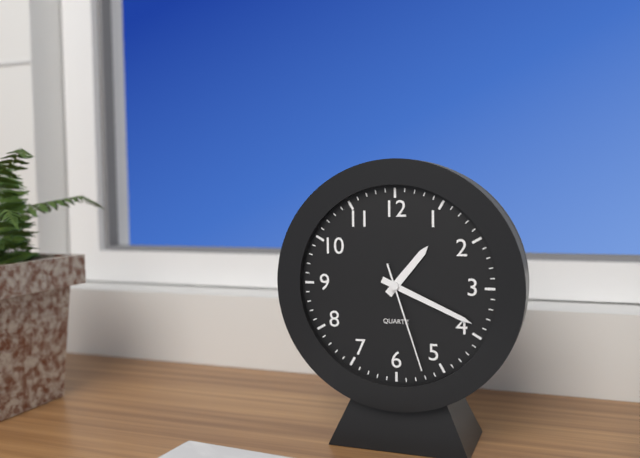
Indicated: 1,19,27
